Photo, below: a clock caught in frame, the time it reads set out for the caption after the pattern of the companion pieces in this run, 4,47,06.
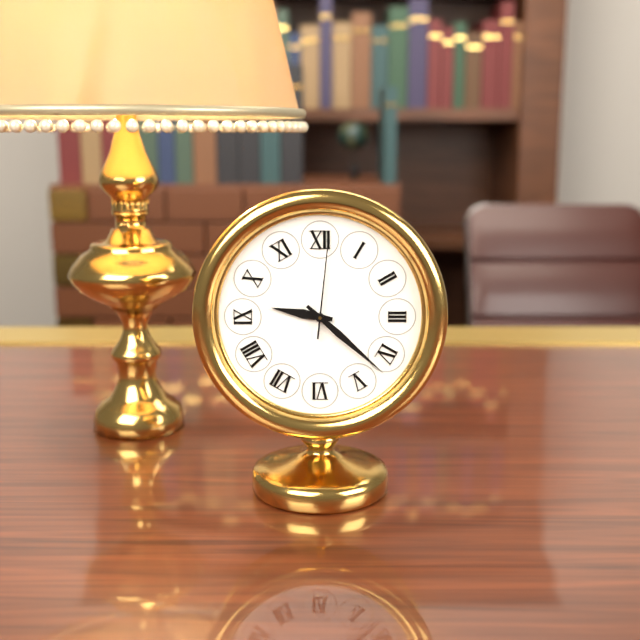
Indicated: 9,22,01
